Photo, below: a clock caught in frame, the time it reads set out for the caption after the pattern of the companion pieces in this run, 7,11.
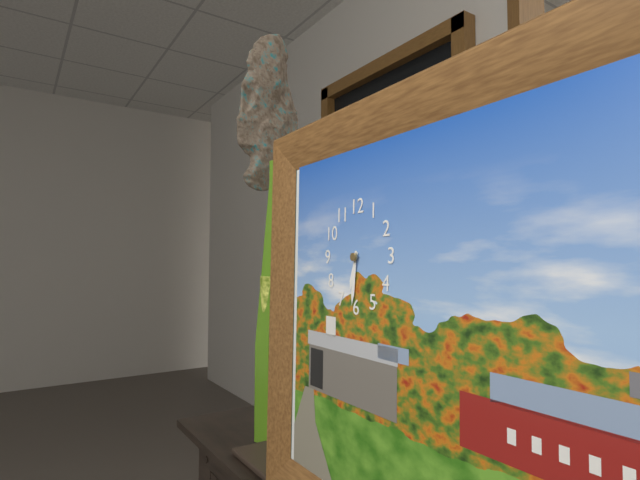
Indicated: 6,31
